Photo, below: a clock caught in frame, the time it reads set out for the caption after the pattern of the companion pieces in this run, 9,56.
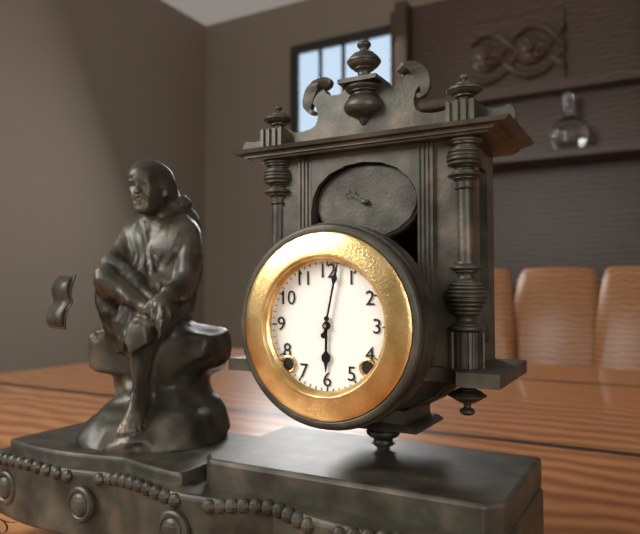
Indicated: 6,02
